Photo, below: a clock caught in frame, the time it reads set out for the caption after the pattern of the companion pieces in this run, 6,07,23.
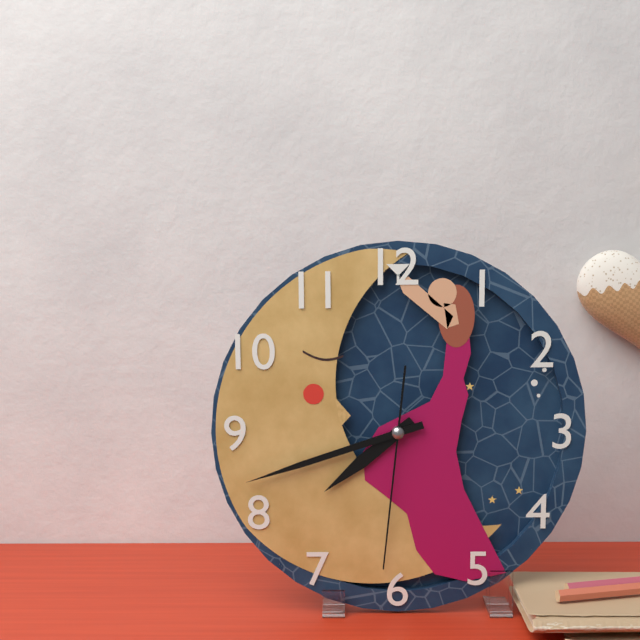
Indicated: 7,42,31
